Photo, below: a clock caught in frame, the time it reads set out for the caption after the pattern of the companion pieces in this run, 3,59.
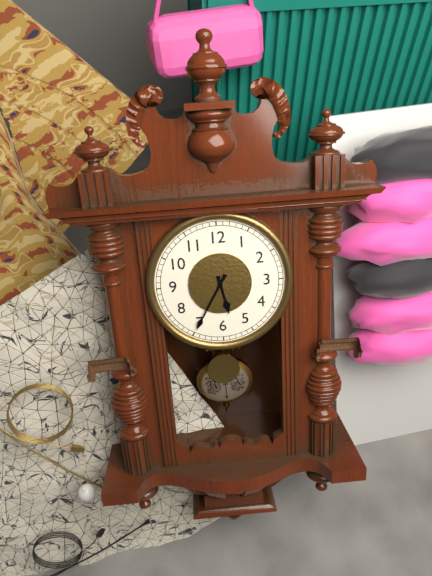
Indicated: 5,35
